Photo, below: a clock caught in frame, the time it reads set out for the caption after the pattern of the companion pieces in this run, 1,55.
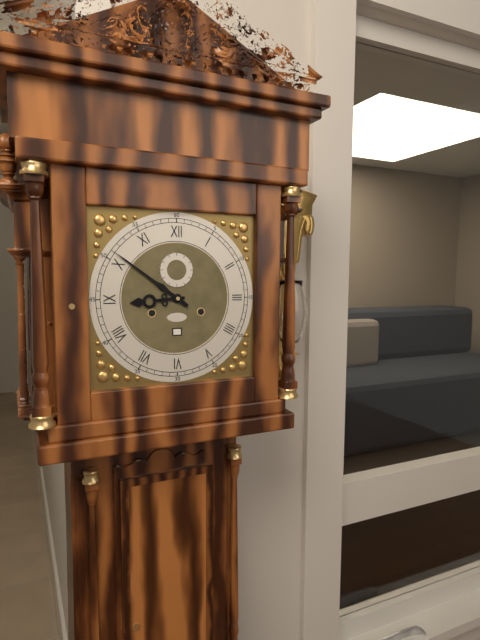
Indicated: 8,51
